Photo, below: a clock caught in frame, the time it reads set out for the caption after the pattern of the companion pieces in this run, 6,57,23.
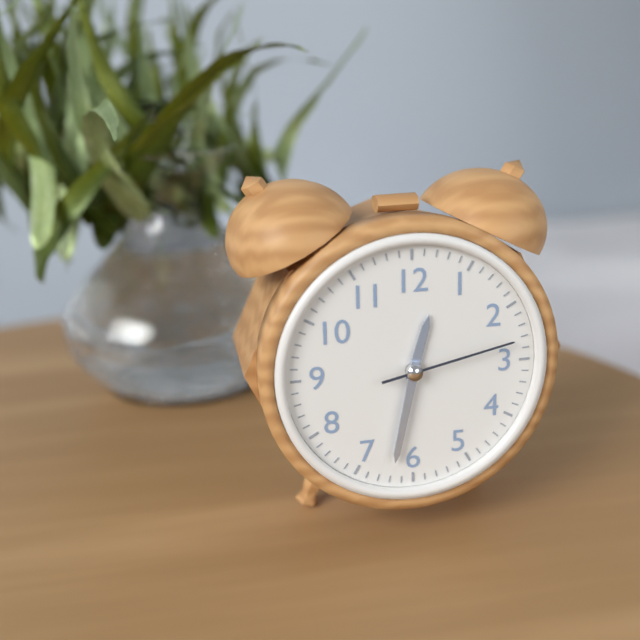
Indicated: 12,32,13
